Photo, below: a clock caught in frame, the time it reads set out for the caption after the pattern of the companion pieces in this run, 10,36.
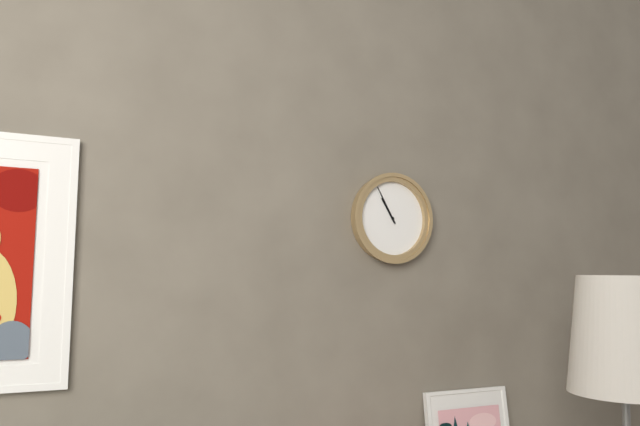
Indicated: 10,55
